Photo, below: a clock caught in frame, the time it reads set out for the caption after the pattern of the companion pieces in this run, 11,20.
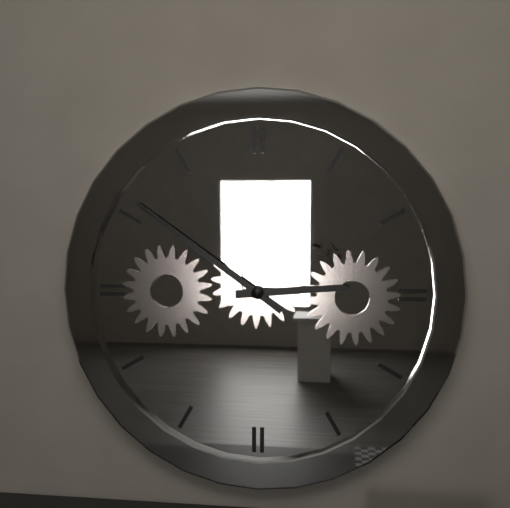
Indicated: 2,51
